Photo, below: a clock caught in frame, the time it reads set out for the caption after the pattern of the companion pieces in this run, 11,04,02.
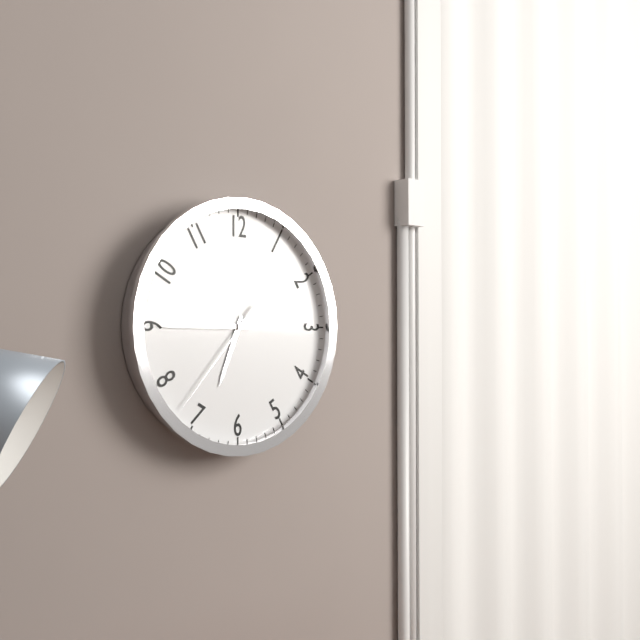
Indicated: 6,45,37
